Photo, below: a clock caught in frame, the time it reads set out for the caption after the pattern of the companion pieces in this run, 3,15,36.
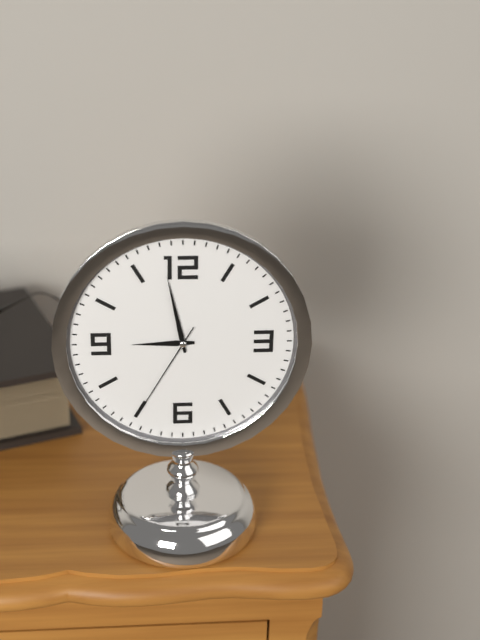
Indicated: 8,58,35
